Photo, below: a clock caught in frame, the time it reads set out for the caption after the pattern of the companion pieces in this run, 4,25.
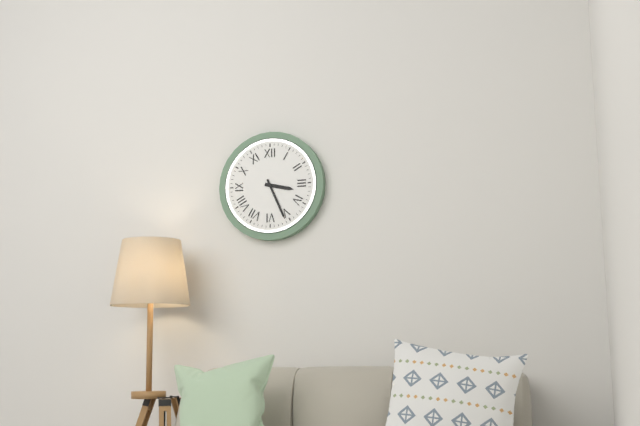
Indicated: 3,26
